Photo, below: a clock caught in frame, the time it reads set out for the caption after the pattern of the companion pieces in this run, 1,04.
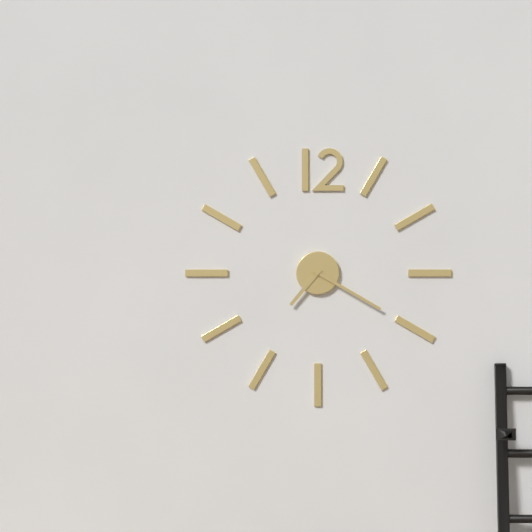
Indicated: 7,20
